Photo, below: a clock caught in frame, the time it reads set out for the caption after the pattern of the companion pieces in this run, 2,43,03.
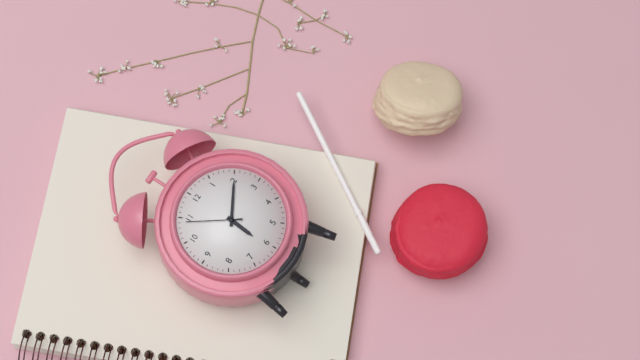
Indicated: 6,10,54
